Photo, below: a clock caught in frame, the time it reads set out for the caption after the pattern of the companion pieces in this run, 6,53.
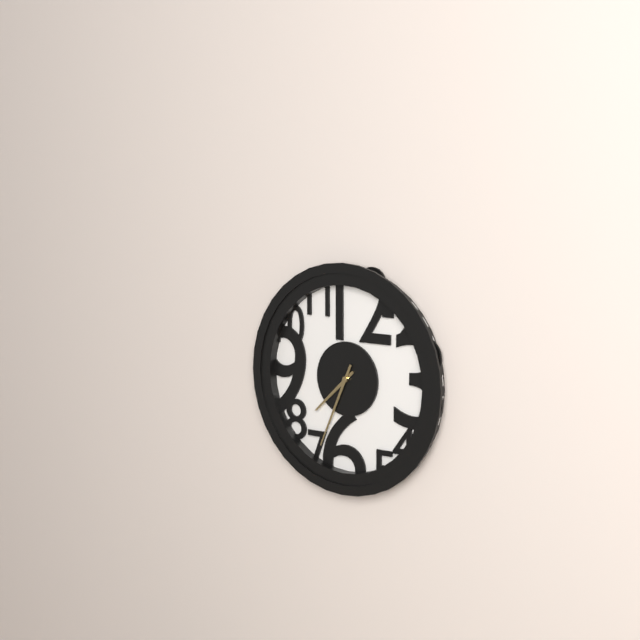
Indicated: 7,34
